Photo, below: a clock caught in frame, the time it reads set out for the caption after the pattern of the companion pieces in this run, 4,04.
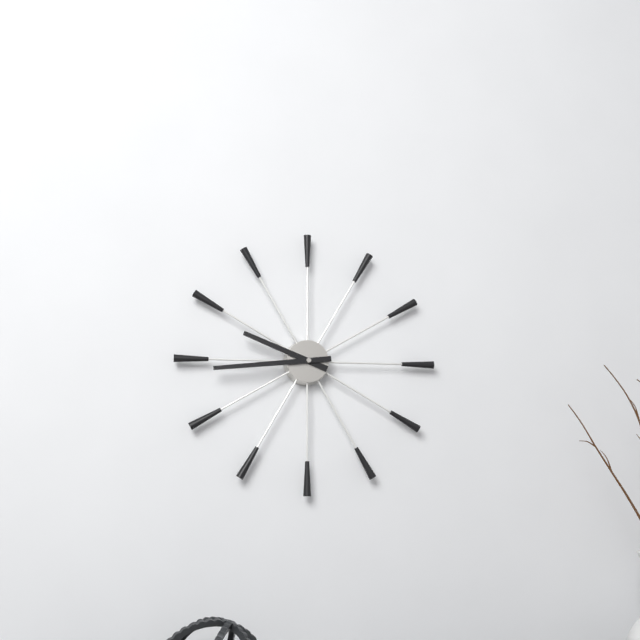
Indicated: 9,44
